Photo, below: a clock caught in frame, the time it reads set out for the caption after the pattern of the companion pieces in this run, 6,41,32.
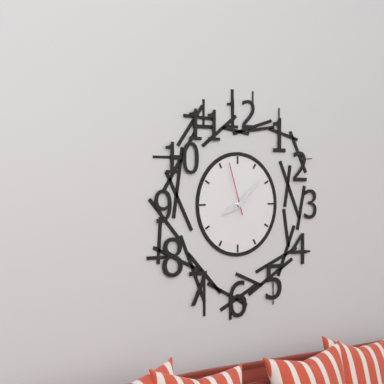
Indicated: 8,08,57
